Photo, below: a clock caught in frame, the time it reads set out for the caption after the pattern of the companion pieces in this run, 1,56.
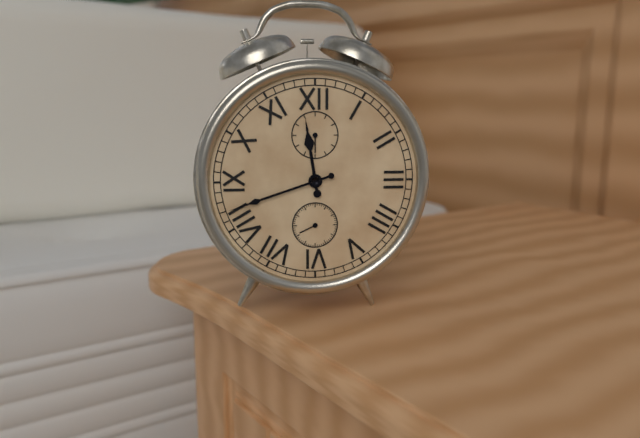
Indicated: 11,42
